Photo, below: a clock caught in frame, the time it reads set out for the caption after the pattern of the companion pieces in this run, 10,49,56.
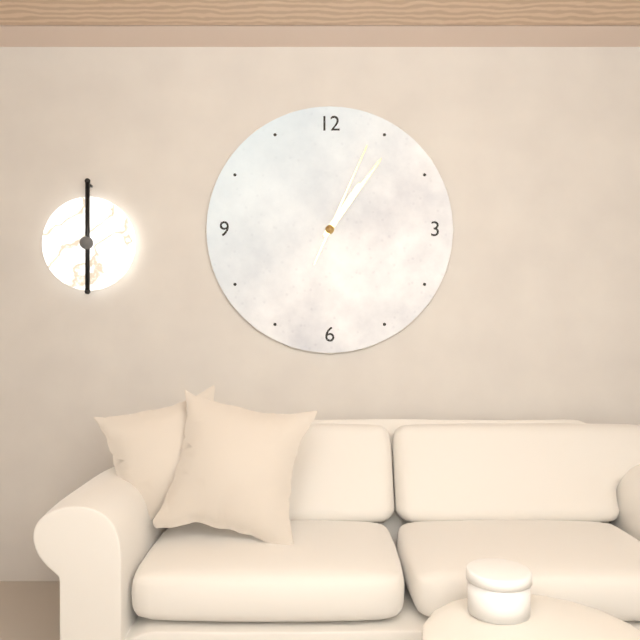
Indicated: 1,06,04
